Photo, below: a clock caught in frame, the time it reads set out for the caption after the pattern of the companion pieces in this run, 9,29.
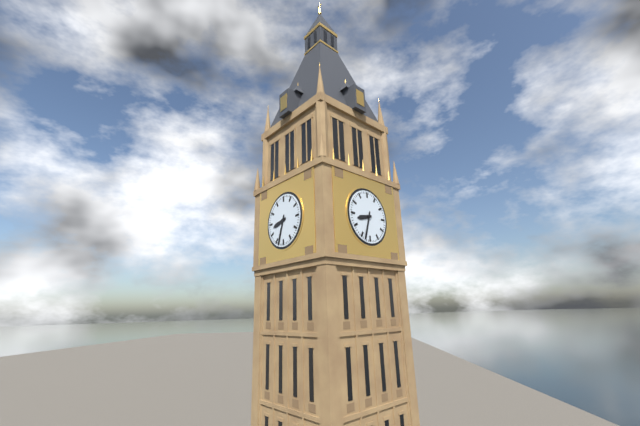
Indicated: 8,33
